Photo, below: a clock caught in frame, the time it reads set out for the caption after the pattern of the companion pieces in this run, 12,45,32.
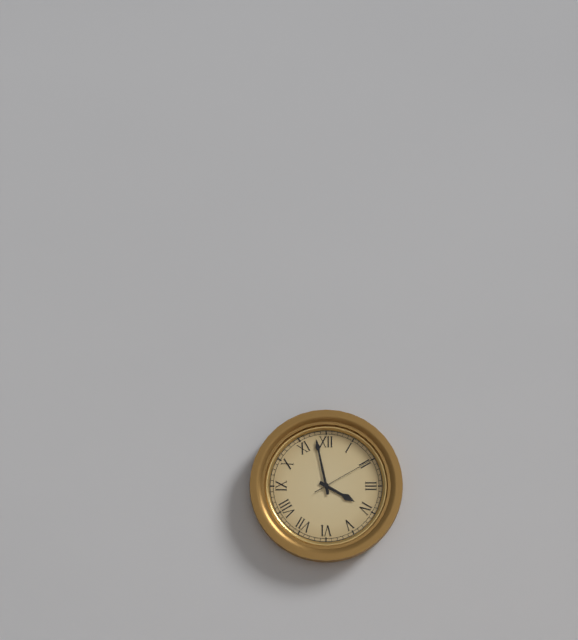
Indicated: 3,58,10
